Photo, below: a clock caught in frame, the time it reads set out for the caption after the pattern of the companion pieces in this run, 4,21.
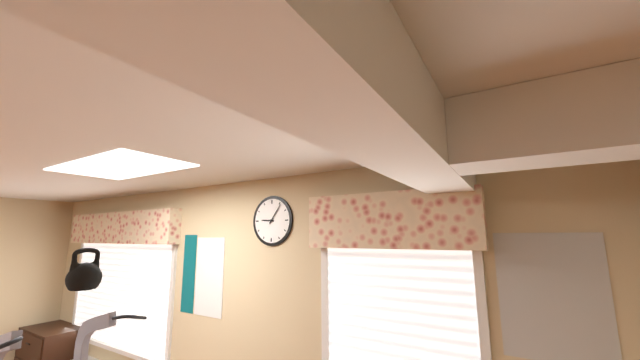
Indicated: 9,06
